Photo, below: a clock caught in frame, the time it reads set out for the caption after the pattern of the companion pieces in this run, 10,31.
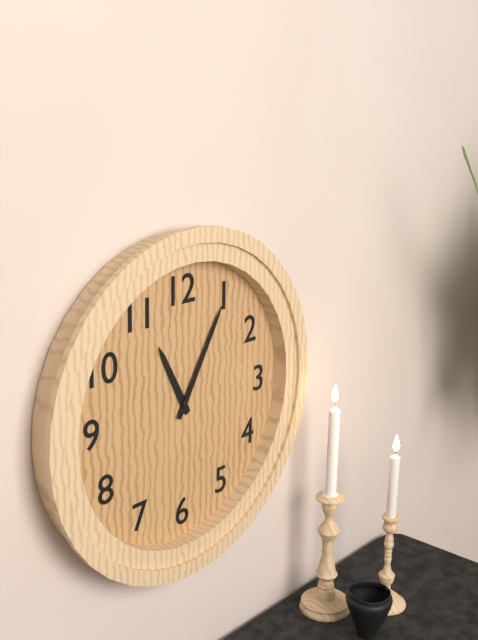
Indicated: 11,05
